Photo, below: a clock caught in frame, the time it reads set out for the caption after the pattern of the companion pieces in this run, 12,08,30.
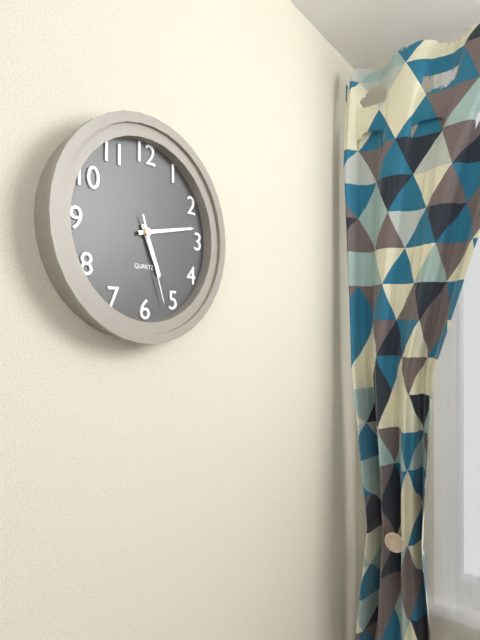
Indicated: 5,13,27
